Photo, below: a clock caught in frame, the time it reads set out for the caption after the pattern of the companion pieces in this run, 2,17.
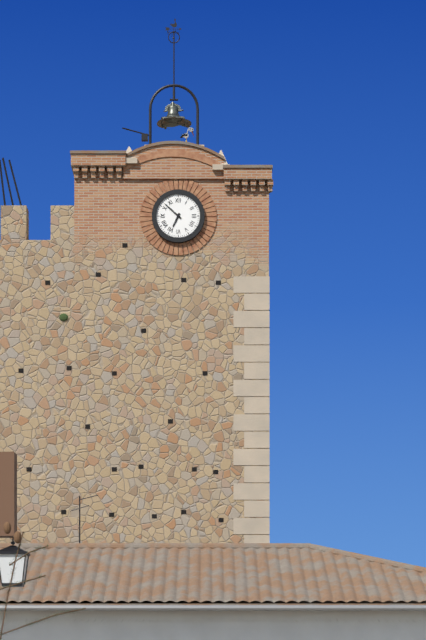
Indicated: 6,52
